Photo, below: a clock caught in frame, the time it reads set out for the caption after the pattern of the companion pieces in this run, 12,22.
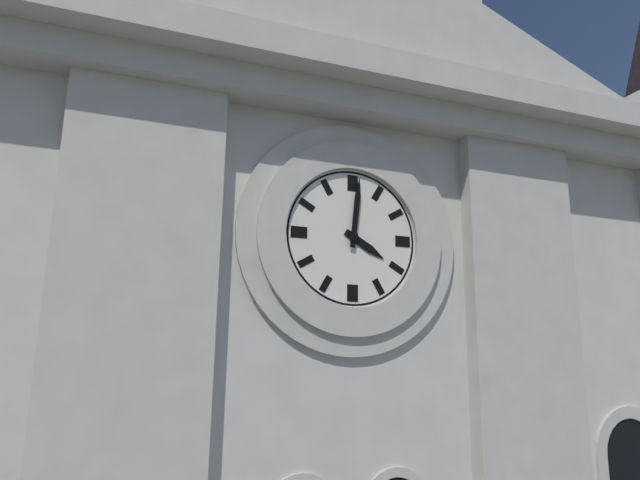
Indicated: 4,01
